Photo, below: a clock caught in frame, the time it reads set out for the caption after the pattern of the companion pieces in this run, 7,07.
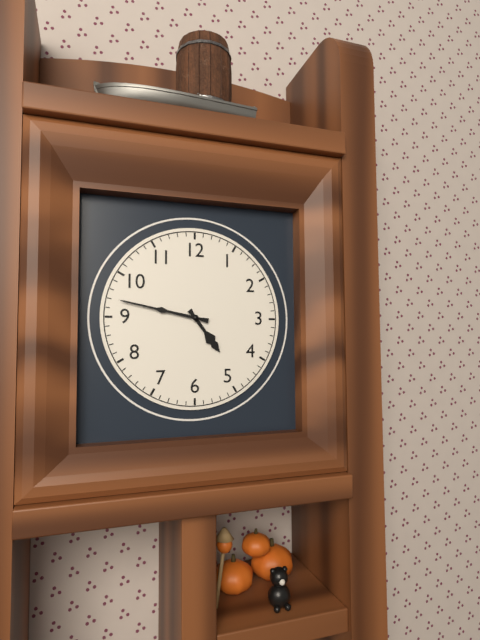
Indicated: 4,47
